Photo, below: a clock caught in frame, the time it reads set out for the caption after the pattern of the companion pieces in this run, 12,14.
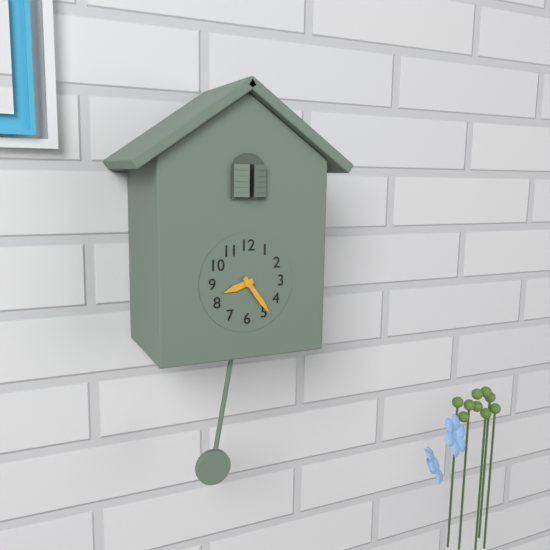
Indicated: 8,24
